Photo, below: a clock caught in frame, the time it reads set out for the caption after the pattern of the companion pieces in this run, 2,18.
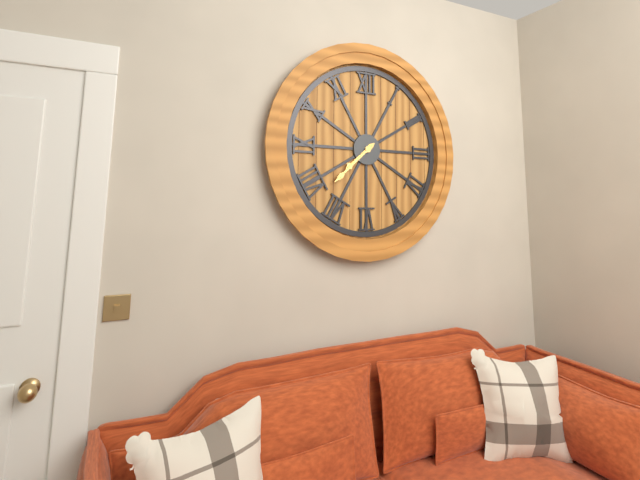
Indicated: 7,38
